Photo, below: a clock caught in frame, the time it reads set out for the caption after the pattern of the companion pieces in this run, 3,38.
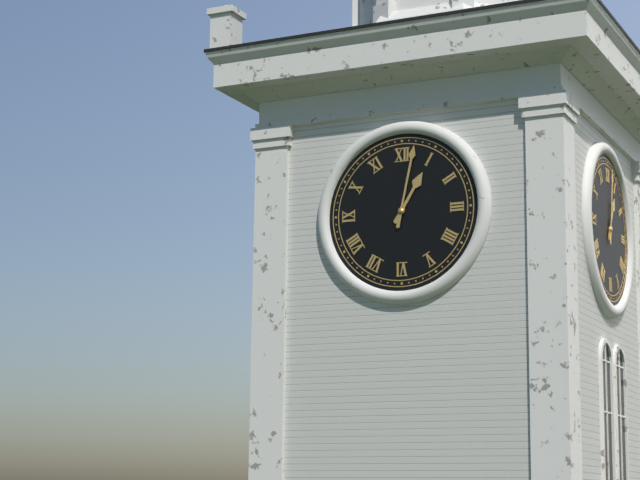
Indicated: 1,02
